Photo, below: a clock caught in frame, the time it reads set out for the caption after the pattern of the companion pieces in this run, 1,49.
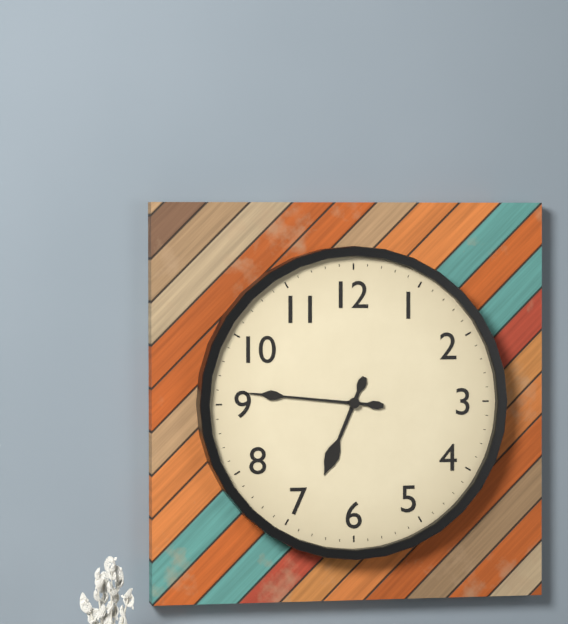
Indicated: 6,46
